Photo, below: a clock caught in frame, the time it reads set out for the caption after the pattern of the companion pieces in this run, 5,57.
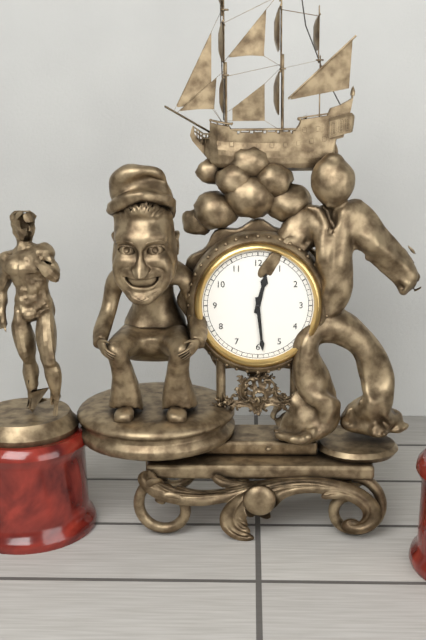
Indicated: 12,29
